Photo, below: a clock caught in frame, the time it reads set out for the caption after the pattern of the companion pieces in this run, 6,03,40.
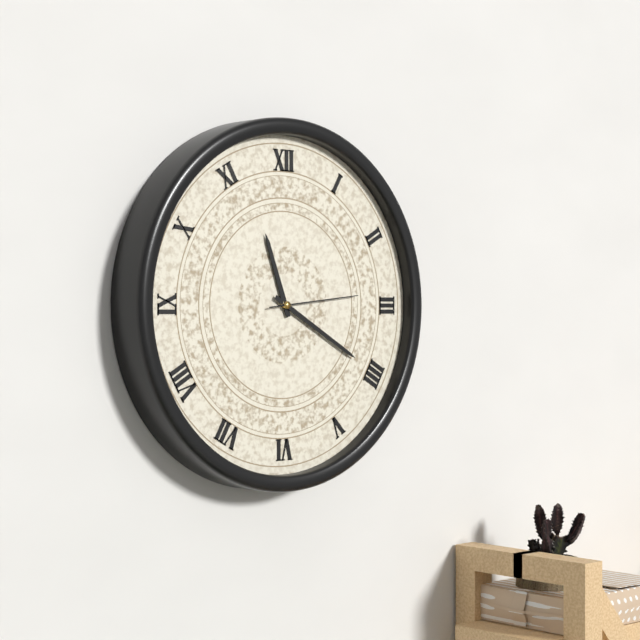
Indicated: 11,20,14
